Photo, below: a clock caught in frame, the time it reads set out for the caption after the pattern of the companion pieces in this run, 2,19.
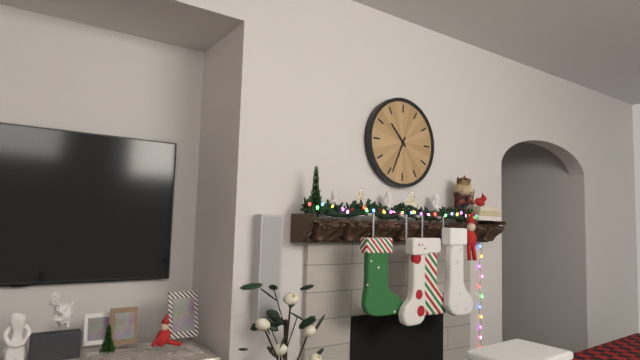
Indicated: 10,34
